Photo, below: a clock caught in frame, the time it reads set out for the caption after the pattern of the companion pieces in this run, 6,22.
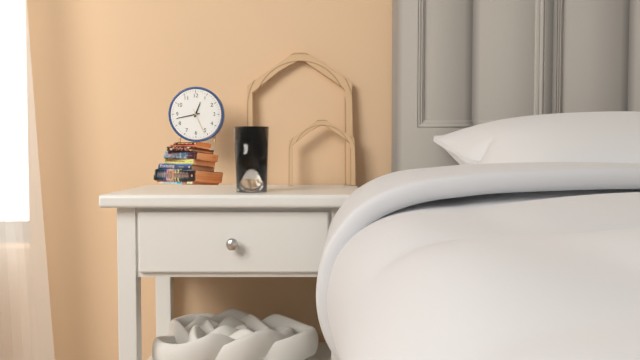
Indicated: 12,43
